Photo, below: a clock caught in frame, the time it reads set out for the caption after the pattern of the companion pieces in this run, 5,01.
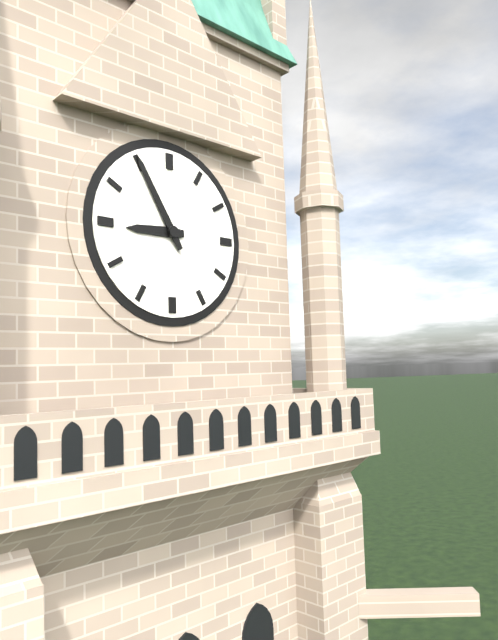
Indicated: 8,55
